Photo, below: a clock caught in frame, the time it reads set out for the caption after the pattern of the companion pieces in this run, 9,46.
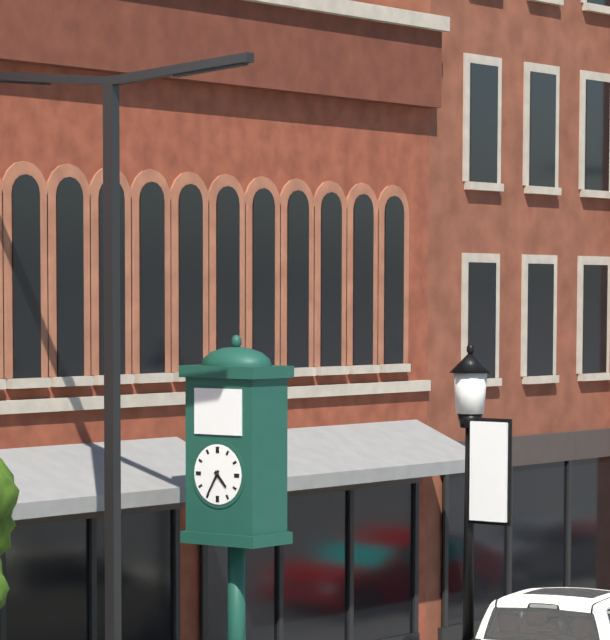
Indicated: 4,35
